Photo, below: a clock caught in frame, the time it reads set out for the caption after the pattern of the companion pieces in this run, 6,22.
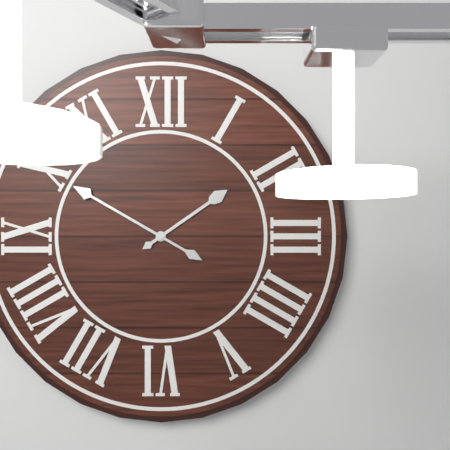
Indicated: 1,50
